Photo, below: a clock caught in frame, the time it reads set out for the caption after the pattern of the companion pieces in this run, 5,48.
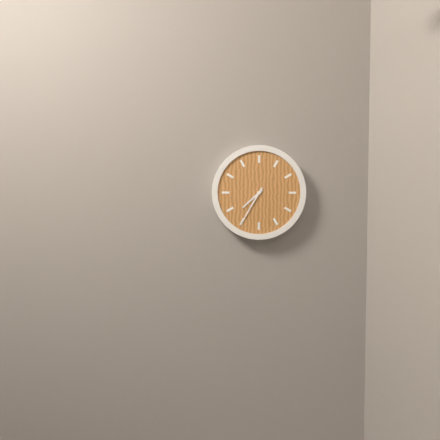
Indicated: 7,35
